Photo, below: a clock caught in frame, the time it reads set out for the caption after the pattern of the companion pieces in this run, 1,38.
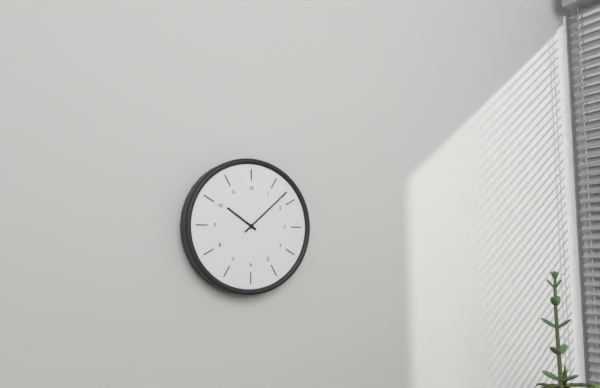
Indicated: 10,08
